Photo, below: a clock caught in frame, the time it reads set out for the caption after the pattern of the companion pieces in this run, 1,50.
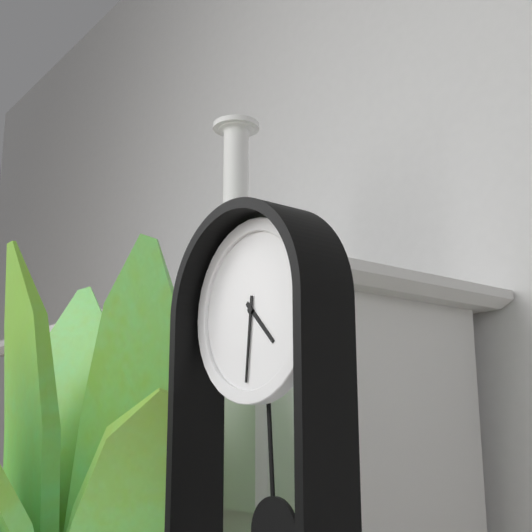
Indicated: 4,31
